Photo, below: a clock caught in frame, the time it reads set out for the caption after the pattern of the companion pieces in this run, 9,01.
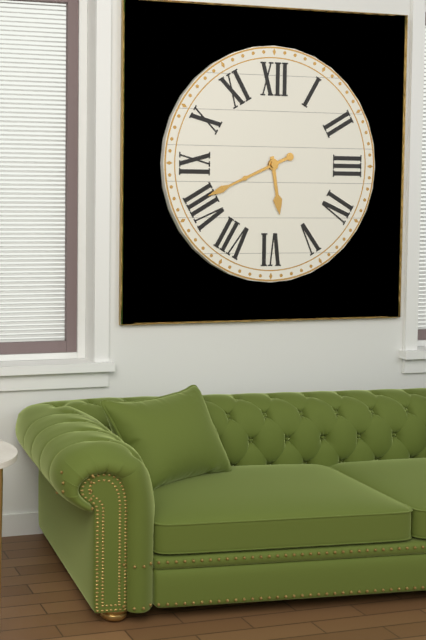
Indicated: 5,41
